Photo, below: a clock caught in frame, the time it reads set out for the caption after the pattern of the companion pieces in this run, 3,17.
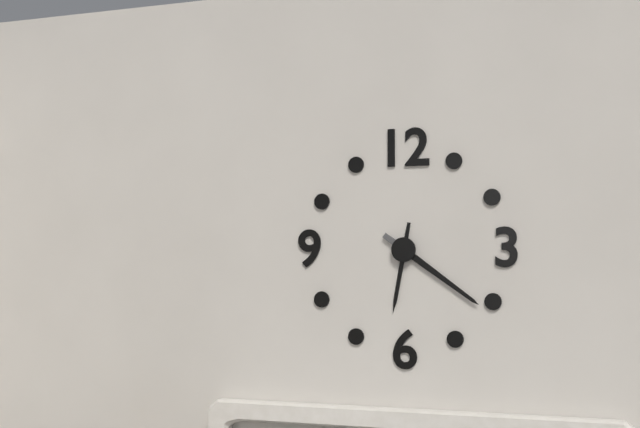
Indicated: 6,21
